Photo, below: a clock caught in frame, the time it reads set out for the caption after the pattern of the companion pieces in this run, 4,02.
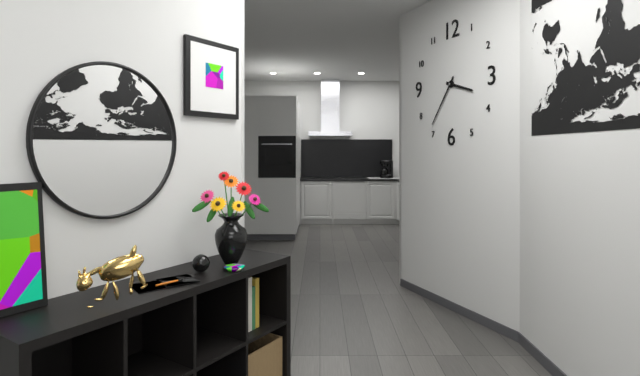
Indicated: 3,36
